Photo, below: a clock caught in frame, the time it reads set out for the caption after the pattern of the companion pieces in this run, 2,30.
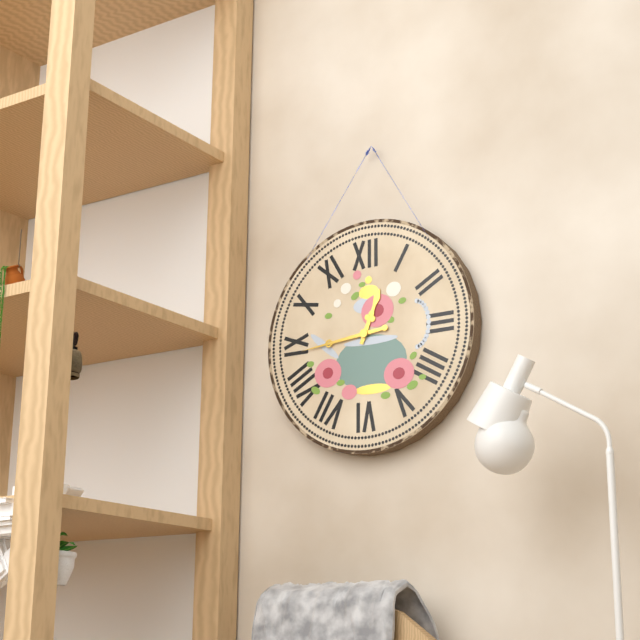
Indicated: 12,44
